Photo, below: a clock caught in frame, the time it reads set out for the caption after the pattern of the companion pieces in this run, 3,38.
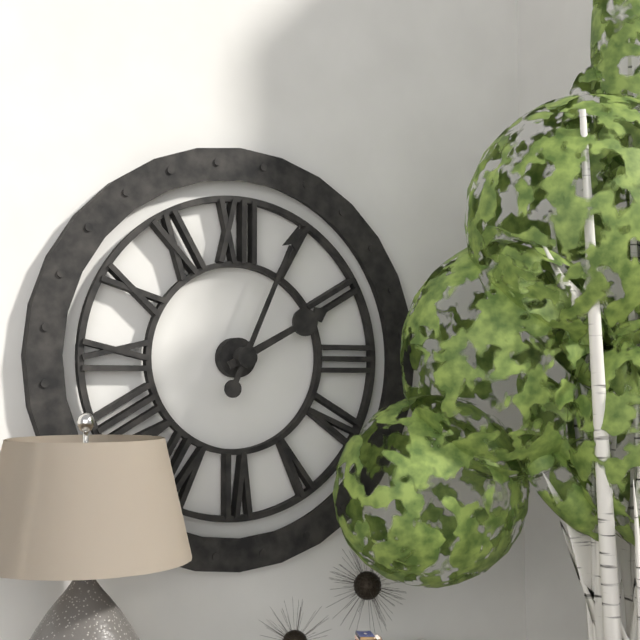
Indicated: 2,04
